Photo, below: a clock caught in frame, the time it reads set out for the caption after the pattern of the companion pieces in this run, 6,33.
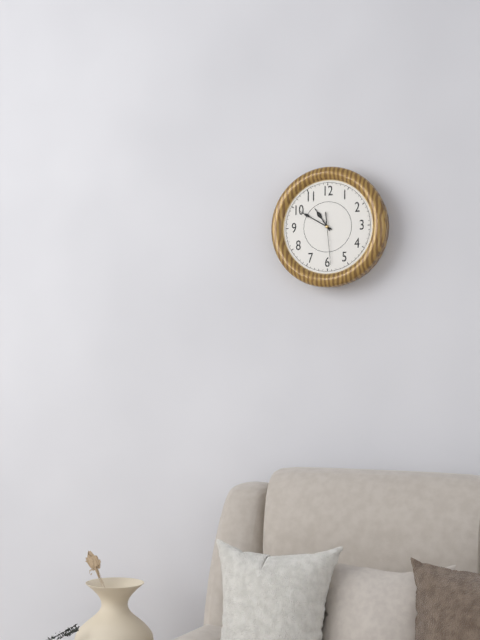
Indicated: 10,50
